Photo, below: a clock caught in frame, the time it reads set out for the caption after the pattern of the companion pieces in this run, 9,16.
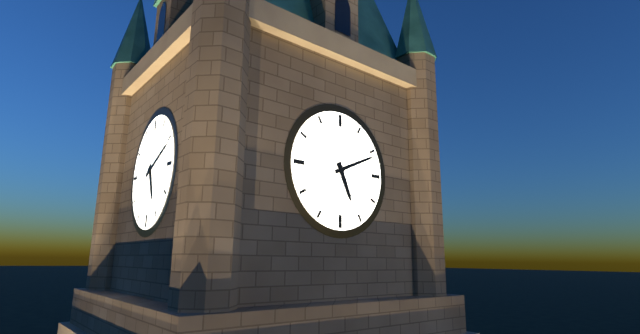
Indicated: 5,11
